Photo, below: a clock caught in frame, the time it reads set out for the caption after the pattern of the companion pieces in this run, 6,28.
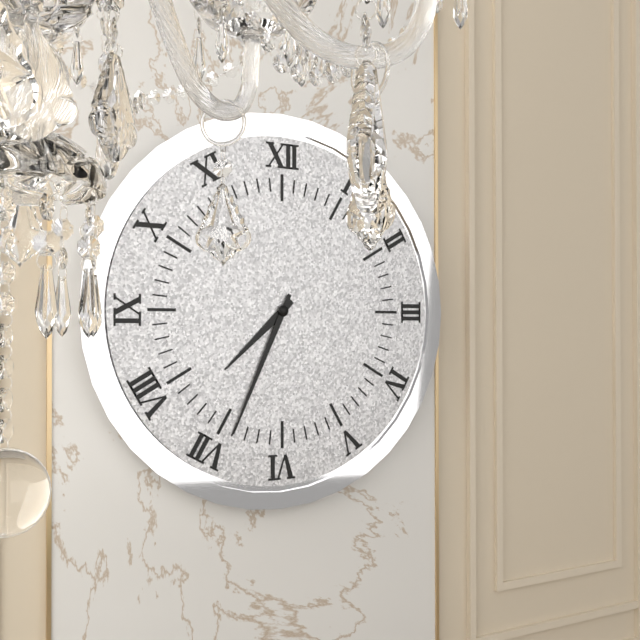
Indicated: 7,34
